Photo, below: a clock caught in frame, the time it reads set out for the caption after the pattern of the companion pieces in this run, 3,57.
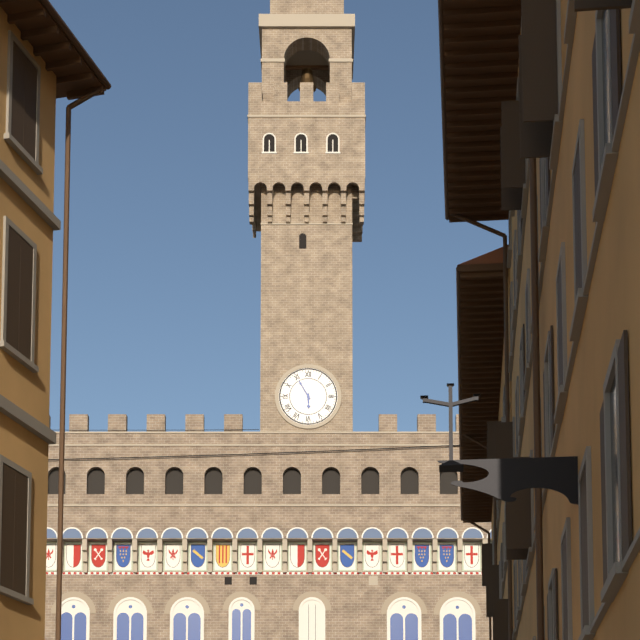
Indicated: 5,55
